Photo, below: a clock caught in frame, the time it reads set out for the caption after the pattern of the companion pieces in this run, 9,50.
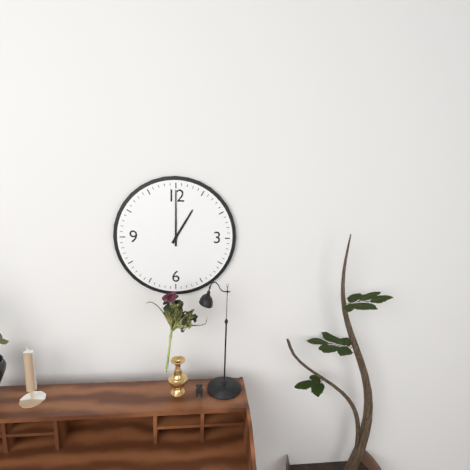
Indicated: 1,00
